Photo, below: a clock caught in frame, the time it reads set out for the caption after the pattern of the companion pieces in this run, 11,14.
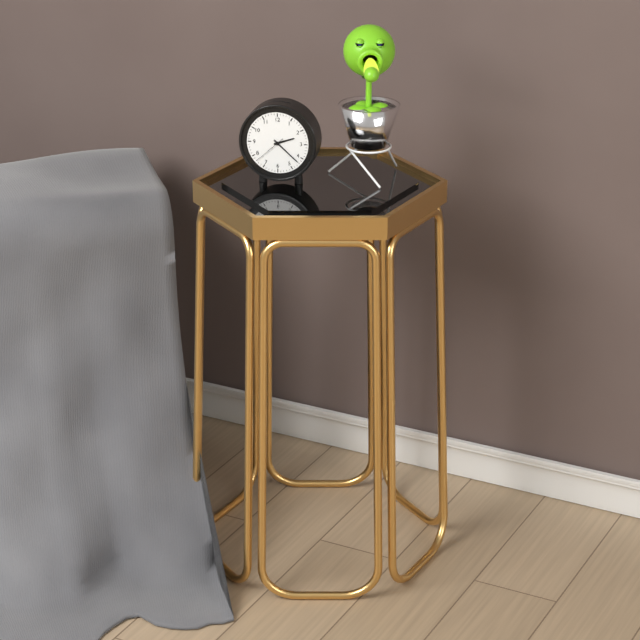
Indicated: 2,22
